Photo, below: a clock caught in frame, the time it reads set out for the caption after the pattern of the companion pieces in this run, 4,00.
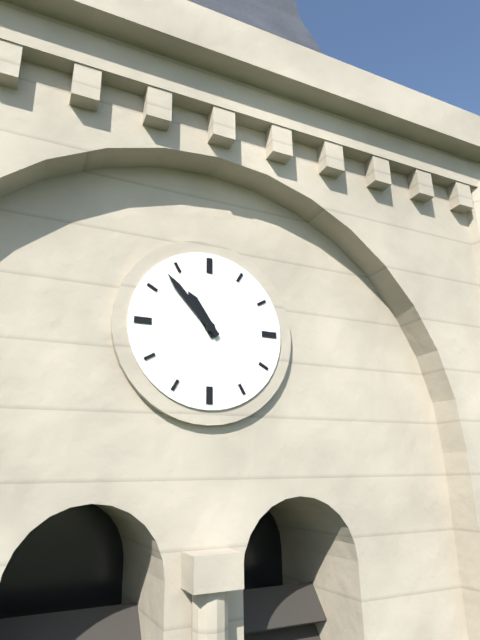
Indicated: 10,53
